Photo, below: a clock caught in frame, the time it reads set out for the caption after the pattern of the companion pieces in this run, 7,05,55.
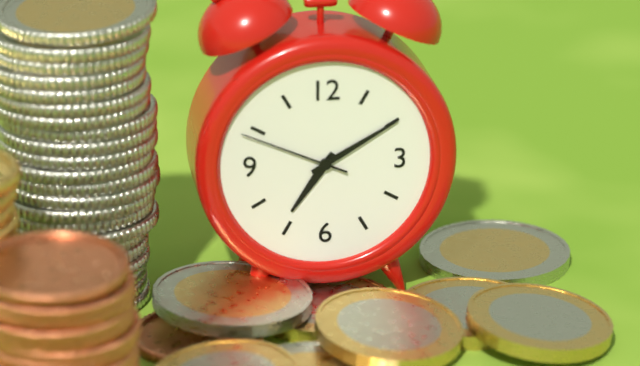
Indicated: 7,10,49
